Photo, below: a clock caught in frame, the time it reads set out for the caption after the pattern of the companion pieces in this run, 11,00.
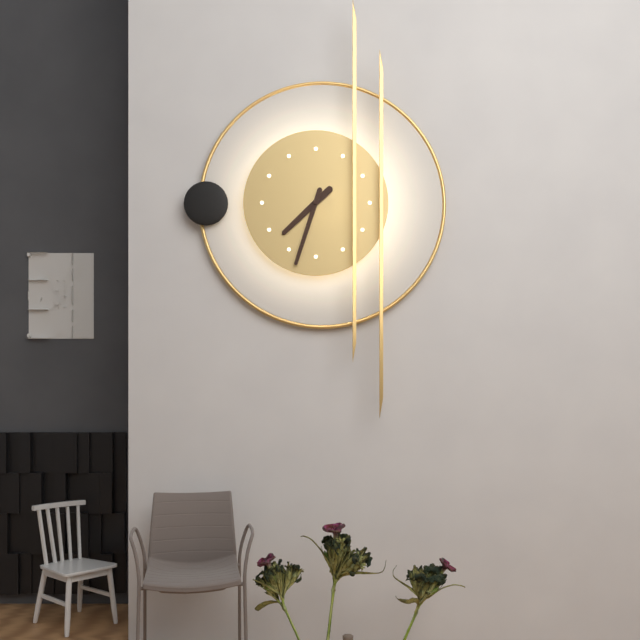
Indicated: 7,33
